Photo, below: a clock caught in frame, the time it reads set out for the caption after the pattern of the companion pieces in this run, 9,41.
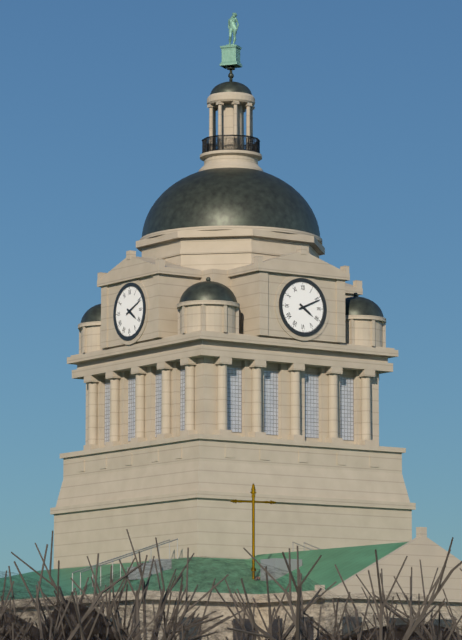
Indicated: 4,11
